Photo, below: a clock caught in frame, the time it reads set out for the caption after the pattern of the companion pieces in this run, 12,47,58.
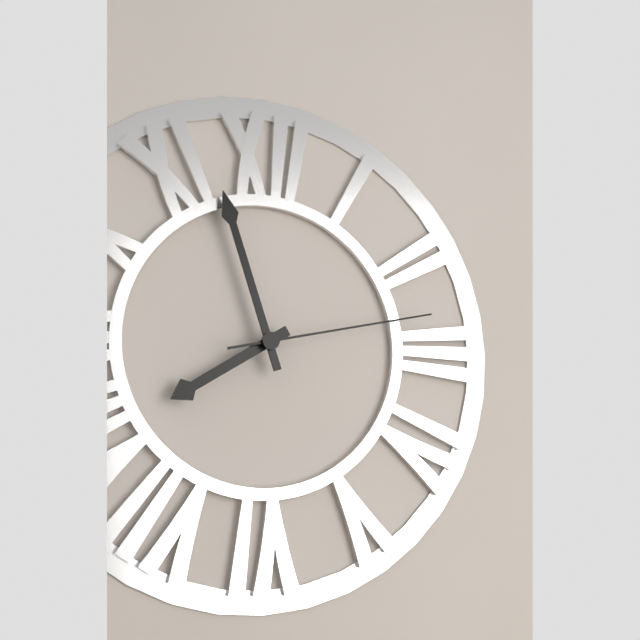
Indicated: 7,57,13
